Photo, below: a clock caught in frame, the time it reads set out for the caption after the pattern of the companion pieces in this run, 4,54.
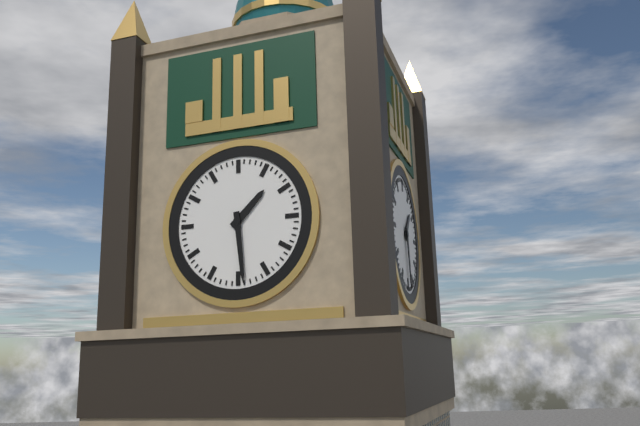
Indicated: 1,29
